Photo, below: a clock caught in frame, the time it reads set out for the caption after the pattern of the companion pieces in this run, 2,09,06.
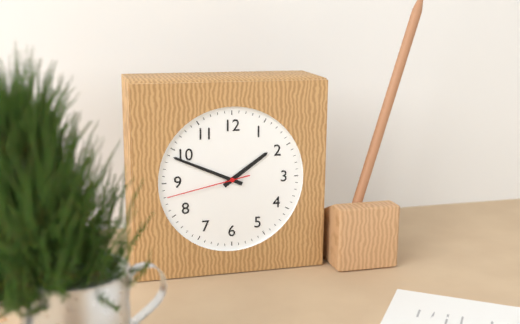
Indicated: 1,49,43
